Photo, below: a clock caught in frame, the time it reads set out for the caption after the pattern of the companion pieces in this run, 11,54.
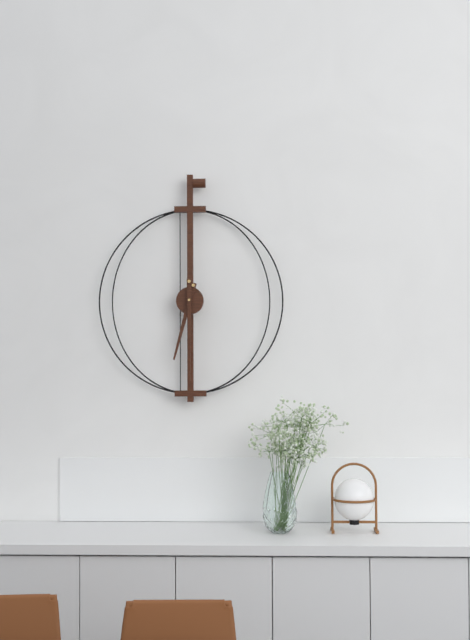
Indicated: 6,30
